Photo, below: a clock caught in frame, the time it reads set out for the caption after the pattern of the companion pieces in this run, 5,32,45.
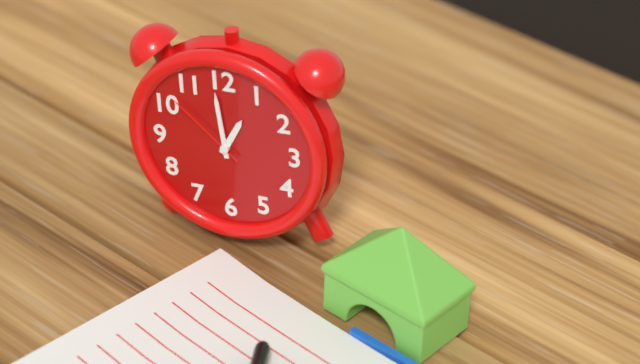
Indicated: 12,59,52
